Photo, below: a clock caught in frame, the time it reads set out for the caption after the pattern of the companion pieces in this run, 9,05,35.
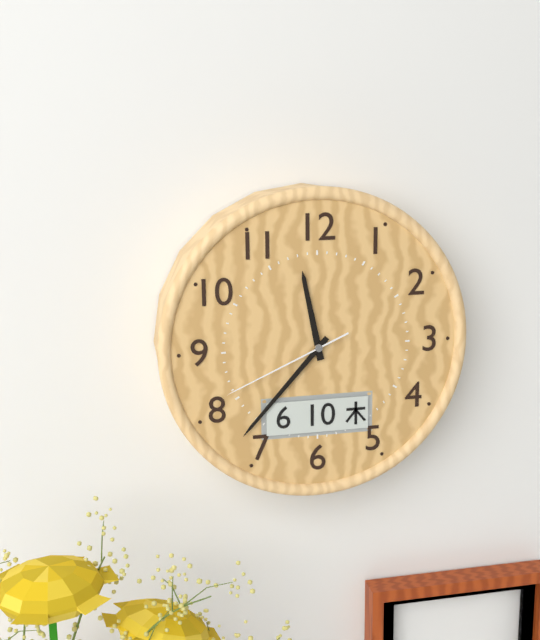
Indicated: 11,37,41
